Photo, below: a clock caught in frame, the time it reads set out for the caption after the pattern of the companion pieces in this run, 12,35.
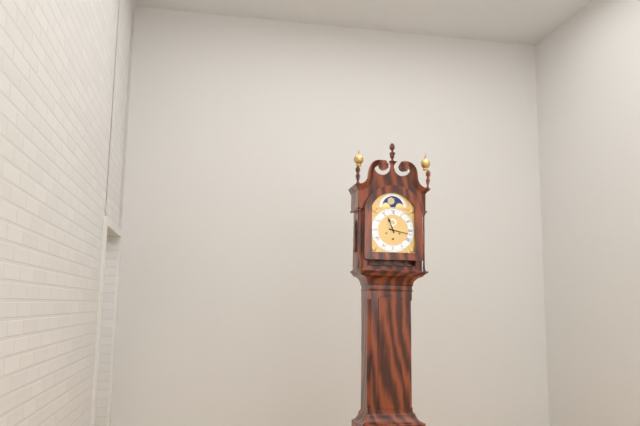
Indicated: 11,17
